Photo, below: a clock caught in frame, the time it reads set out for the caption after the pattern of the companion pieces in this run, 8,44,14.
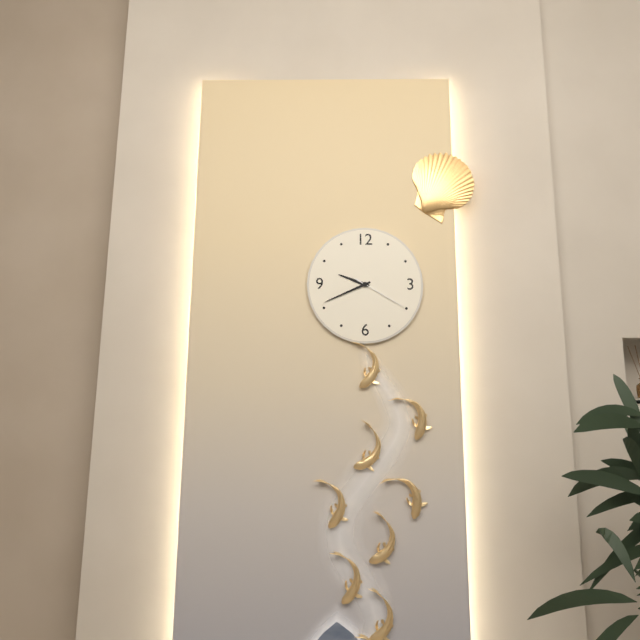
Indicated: 9,41,20
